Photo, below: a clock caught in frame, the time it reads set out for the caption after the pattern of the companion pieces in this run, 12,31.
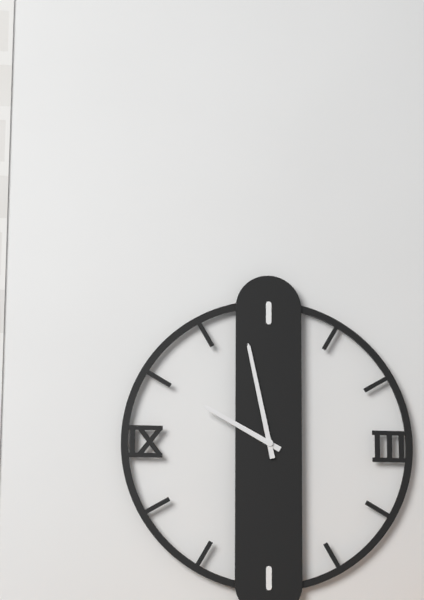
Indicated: 9,58
